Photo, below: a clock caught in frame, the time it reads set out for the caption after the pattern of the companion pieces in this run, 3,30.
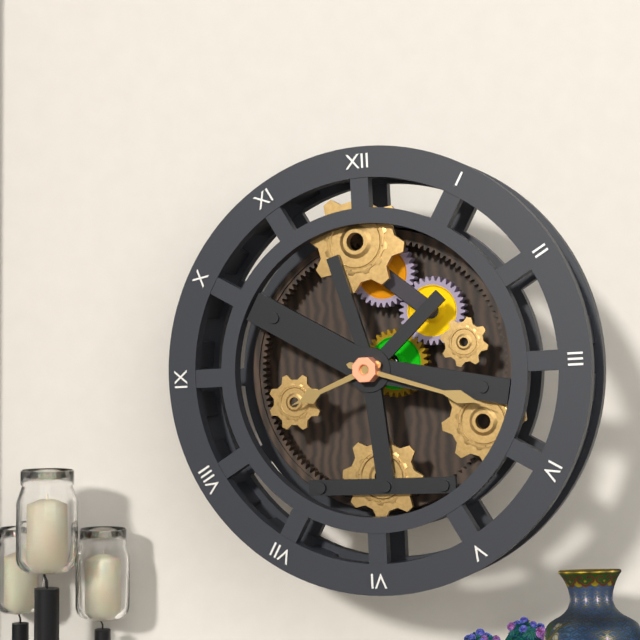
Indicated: 8,18
